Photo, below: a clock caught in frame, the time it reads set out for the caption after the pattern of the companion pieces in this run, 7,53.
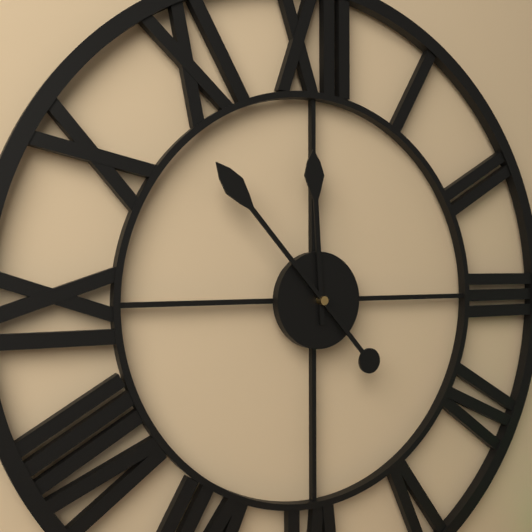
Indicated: 11,53
